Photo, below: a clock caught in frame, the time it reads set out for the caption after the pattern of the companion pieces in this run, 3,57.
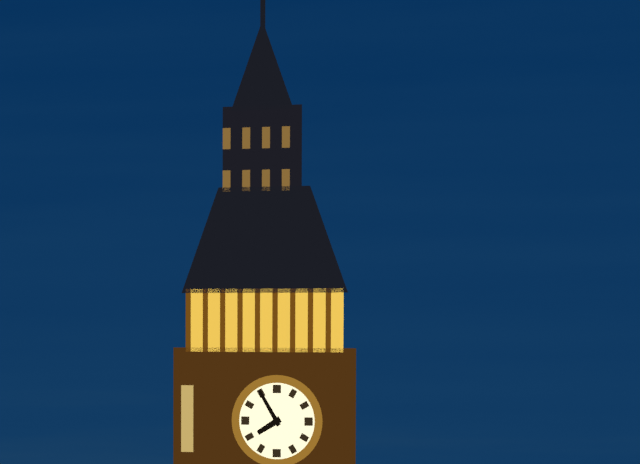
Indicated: 7,55
